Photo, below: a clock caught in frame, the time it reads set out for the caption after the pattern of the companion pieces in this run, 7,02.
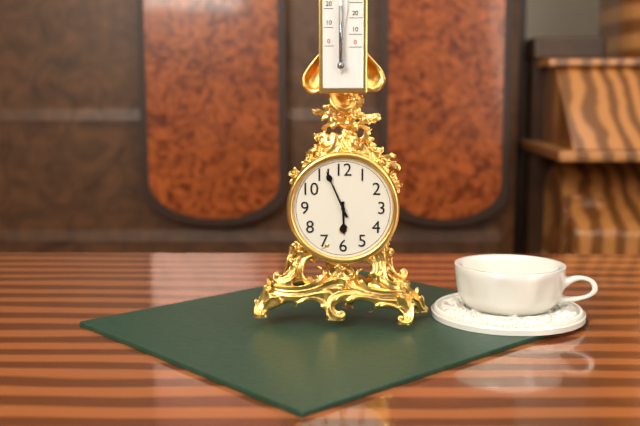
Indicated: 5,56
